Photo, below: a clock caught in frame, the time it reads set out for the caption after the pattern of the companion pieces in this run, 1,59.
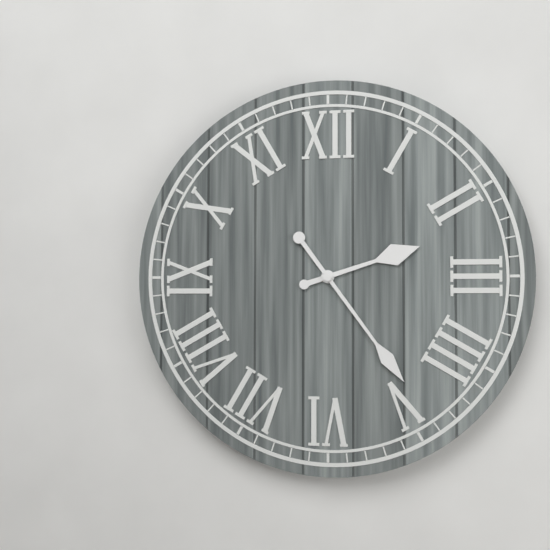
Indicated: 2,24
